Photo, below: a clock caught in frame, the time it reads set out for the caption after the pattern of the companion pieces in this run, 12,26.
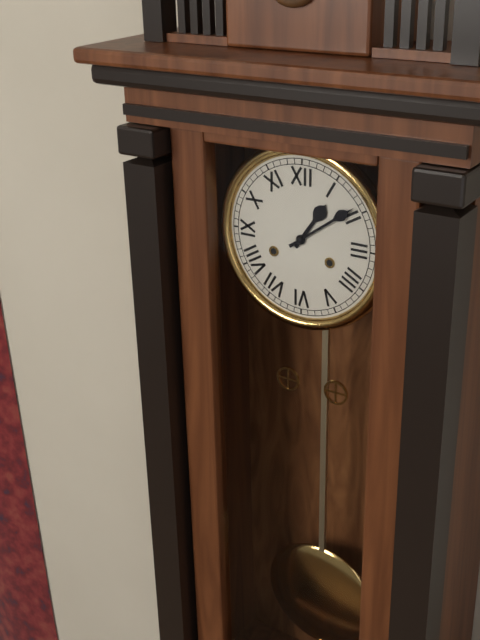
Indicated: 1,09
